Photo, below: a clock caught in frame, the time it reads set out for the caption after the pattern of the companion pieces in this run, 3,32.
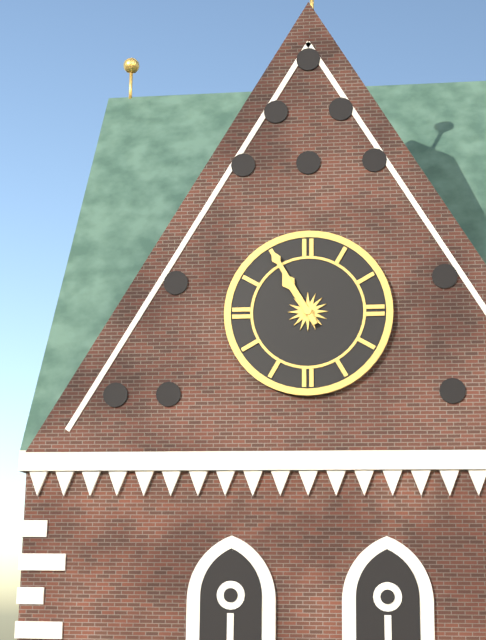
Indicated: 10,55
